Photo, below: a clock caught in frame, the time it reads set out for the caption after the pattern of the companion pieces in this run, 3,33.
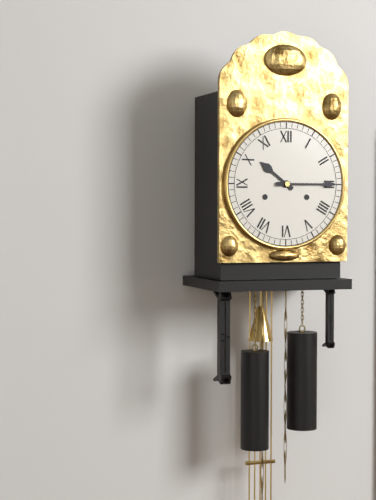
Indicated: 10,15
